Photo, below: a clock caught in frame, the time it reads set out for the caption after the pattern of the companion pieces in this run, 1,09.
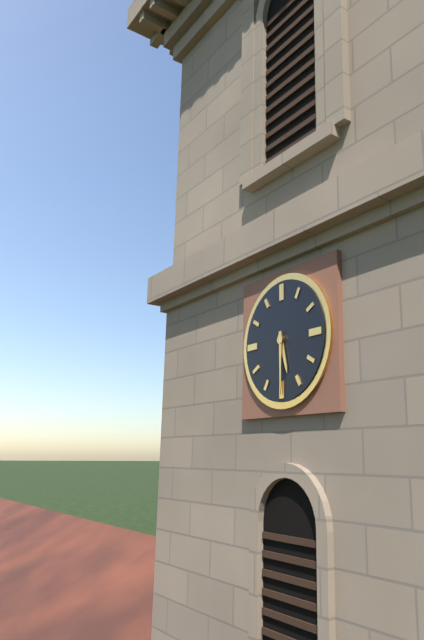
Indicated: 5,30
